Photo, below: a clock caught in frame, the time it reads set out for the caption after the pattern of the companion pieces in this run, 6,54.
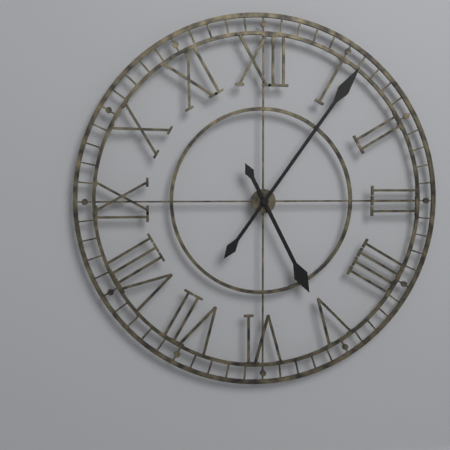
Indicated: 5,06
